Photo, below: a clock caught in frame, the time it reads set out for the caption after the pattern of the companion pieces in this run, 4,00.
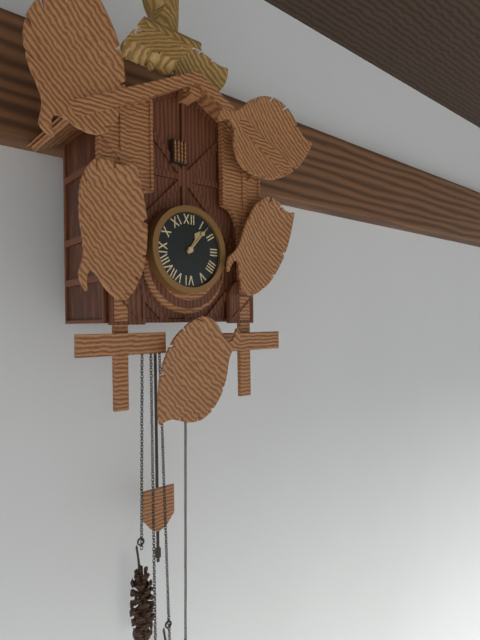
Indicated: 1,07
